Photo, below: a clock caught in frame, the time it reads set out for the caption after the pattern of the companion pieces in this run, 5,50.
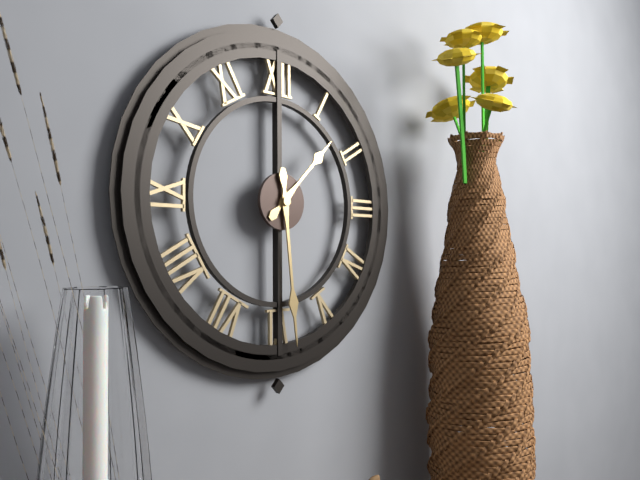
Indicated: 1,29
